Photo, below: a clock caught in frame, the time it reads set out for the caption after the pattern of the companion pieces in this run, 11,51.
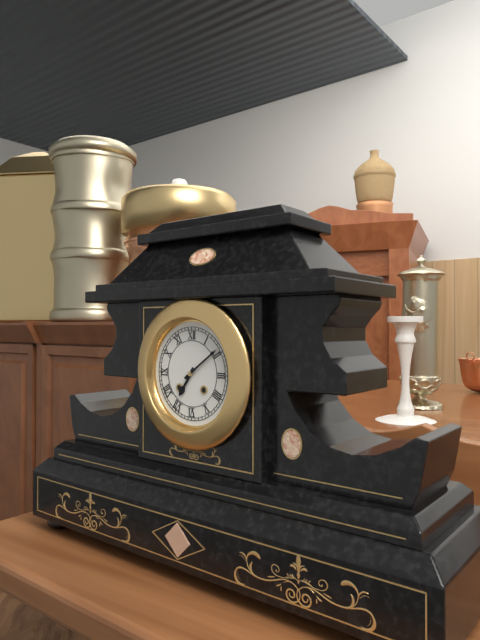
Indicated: 7,09
